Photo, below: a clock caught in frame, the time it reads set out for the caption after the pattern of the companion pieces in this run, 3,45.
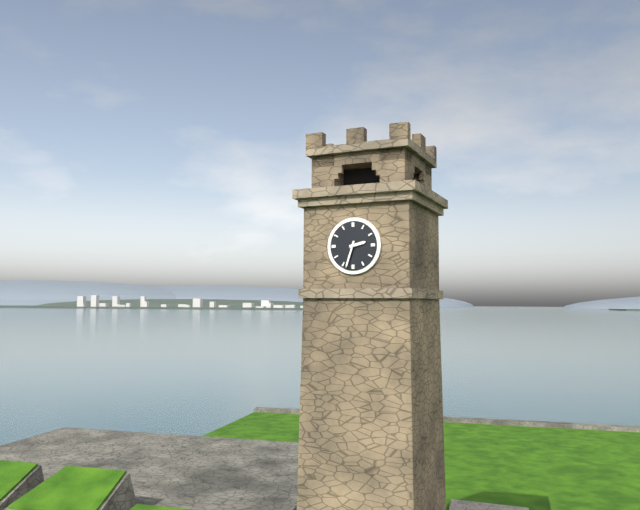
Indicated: 2,33
